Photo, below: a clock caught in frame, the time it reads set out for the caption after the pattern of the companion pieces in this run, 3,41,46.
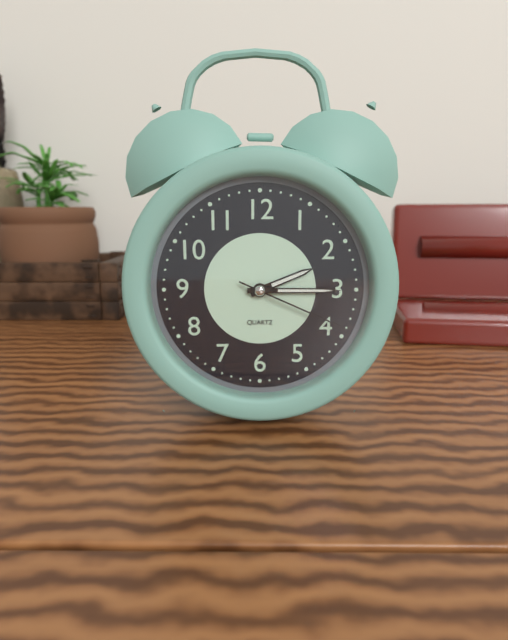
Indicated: 2,15,19
